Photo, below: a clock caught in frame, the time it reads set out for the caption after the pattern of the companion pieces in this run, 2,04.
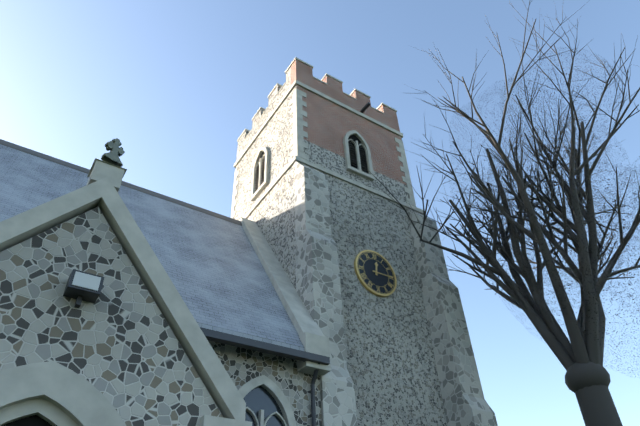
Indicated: 12,15
